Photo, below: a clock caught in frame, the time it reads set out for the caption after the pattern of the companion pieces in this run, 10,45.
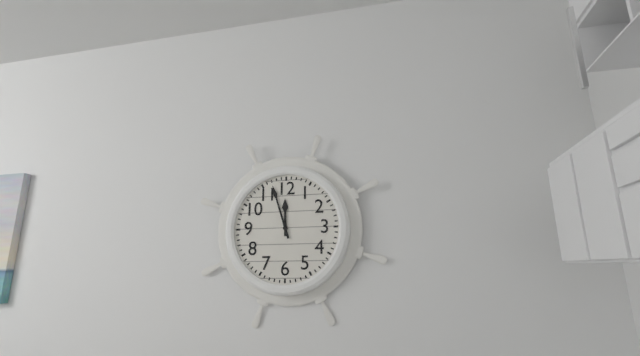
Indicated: 11,57
